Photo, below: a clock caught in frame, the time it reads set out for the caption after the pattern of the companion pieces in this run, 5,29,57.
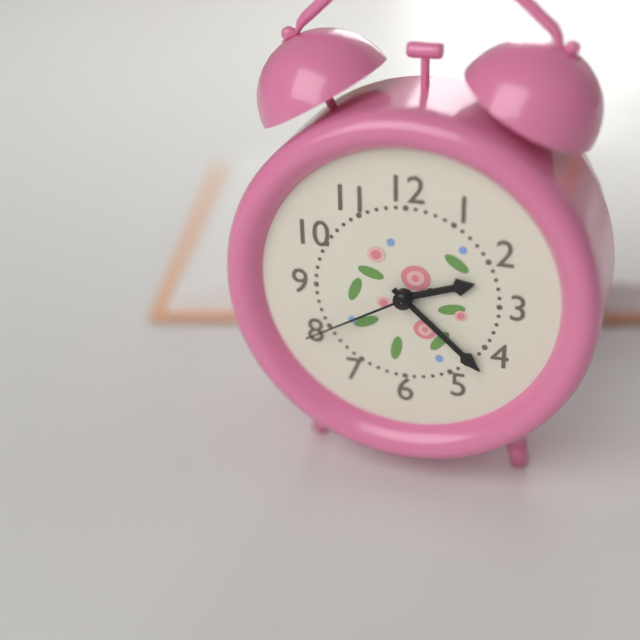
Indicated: 2,22,40
